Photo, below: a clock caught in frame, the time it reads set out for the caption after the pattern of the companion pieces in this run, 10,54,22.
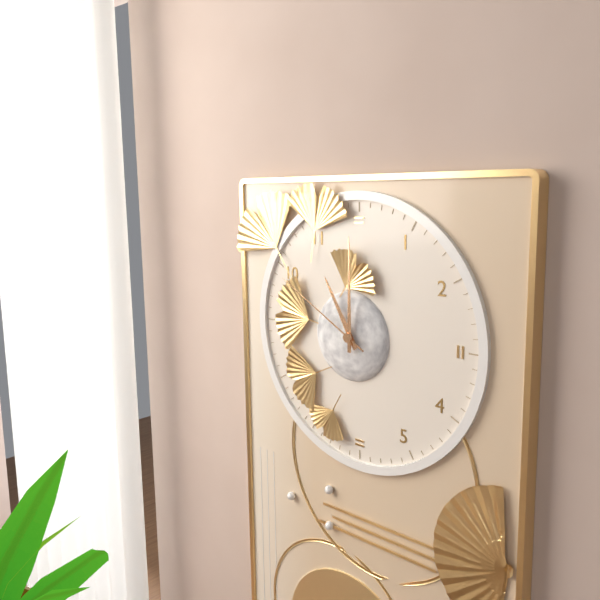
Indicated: 11,00,50
